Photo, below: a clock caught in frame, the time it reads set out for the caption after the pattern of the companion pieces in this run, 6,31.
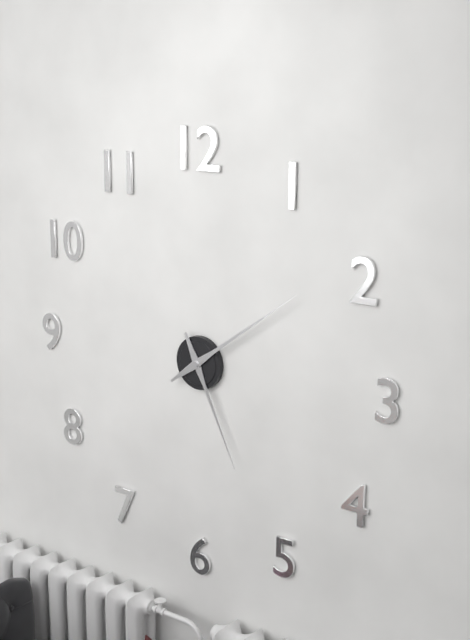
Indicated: 5,09
